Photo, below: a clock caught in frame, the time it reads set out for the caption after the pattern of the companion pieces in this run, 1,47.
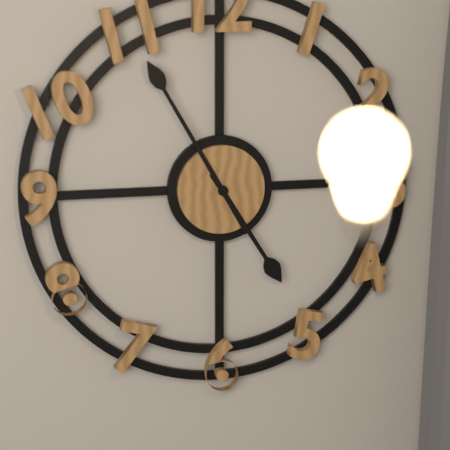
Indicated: 4,55
